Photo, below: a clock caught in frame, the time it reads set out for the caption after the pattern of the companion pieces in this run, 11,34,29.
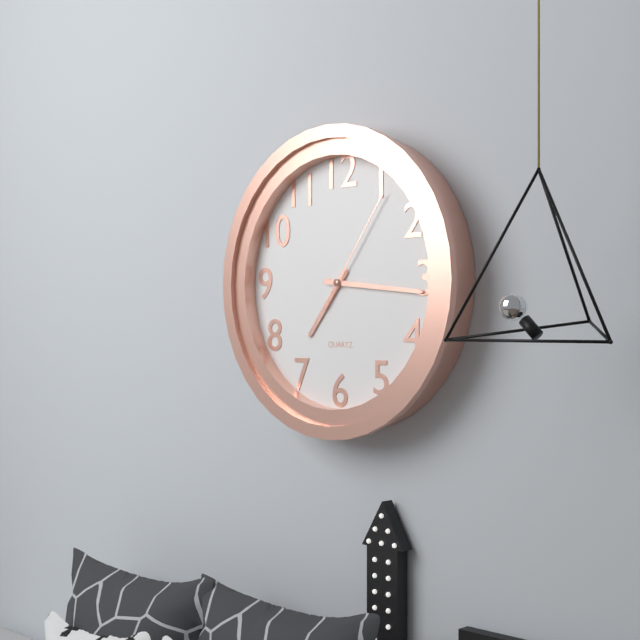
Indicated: 7,16,06
